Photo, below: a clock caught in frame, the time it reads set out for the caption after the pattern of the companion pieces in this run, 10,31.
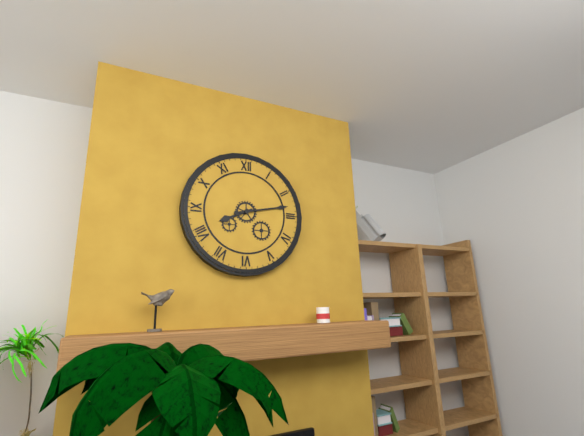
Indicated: 8,13
